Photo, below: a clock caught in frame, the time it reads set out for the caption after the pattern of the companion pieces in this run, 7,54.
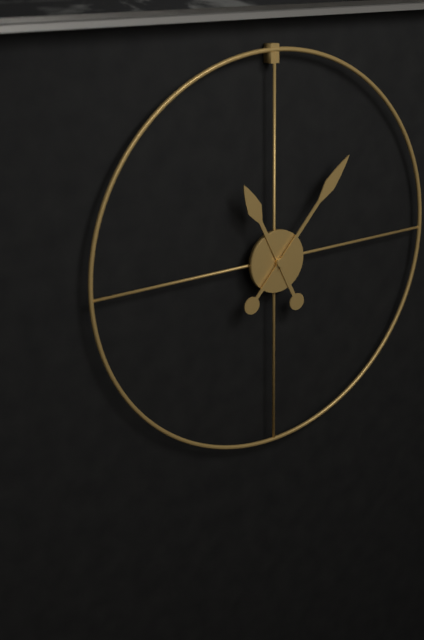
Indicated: 11,07
